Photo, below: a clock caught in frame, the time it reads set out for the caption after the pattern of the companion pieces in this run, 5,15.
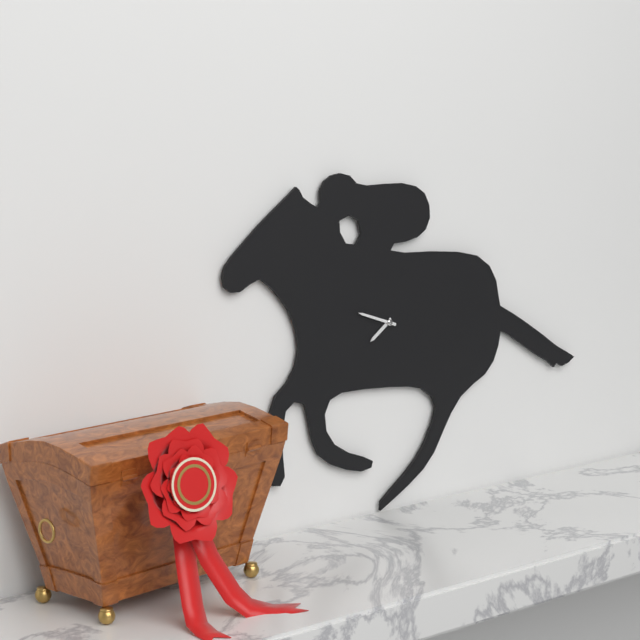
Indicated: 7,48
